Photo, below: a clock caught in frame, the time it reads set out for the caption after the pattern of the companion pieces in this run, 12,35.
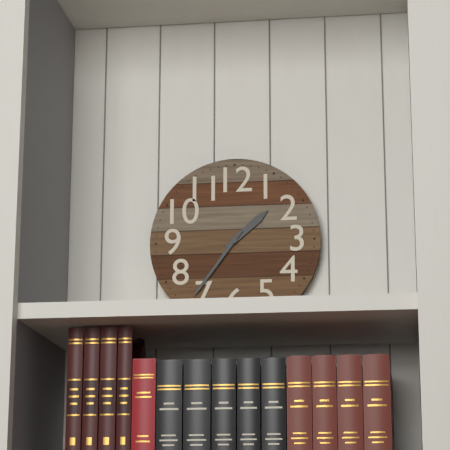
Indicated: 1,36
